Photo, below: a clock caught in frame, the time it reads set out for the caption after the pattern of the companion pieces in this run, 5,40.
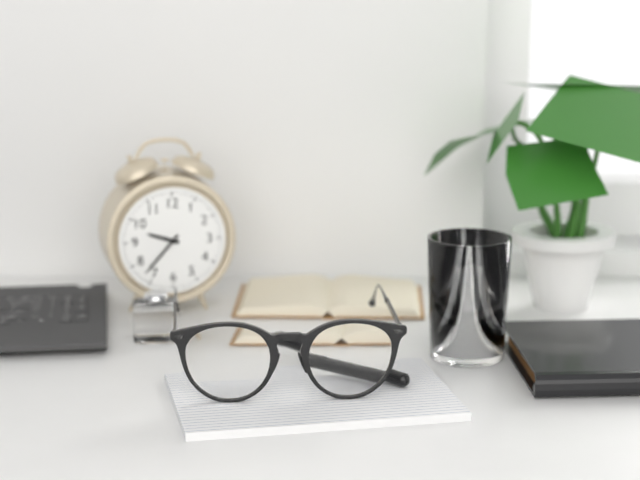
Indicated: 9,37
